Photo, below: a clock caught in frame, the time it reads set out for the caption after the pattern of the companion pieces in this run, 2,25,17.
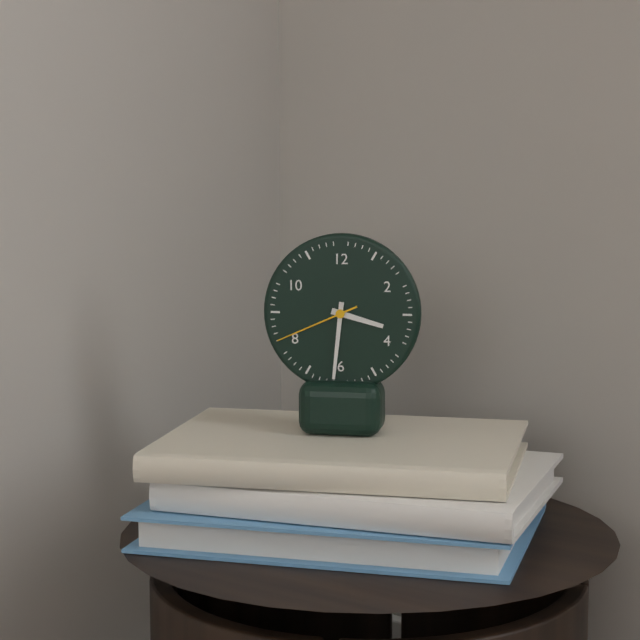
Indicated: 3,31,41
